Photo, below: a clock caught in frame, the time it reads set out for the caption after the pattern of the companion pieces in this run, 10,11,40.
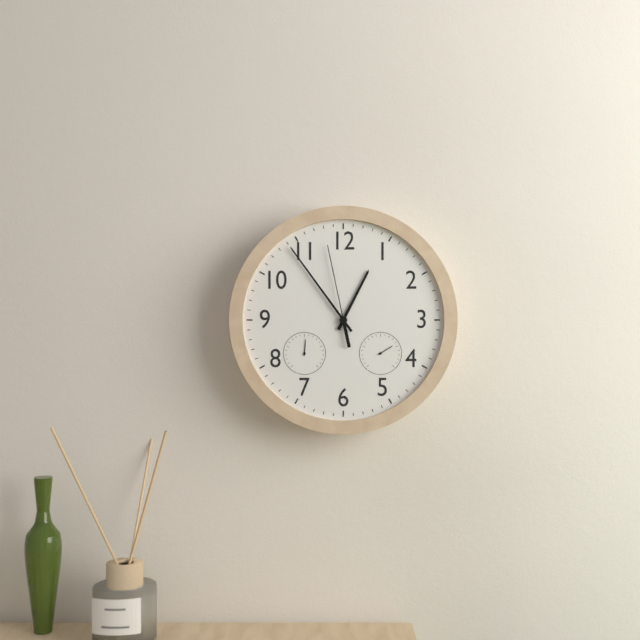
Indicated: 12,54,58
